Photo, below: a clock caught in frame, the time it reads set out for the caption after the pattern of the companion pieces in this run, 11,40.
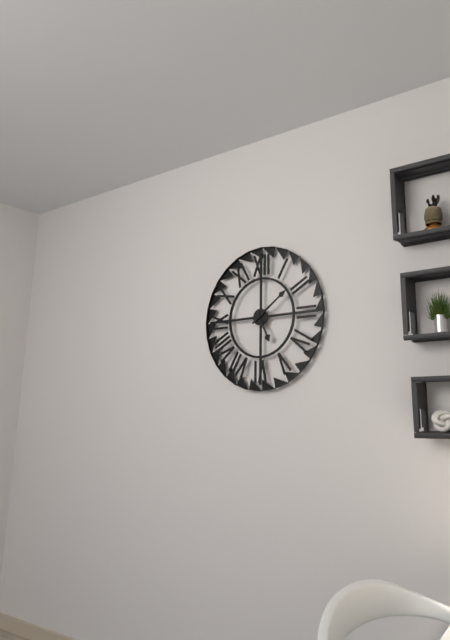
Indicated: 5,09
